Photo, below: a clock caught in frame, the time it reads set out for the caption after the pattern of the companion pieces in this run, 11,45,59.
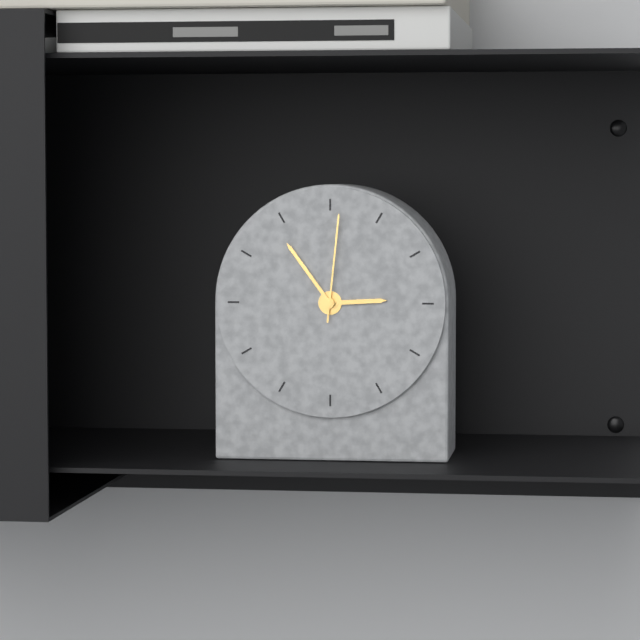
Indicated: 2,54,01
